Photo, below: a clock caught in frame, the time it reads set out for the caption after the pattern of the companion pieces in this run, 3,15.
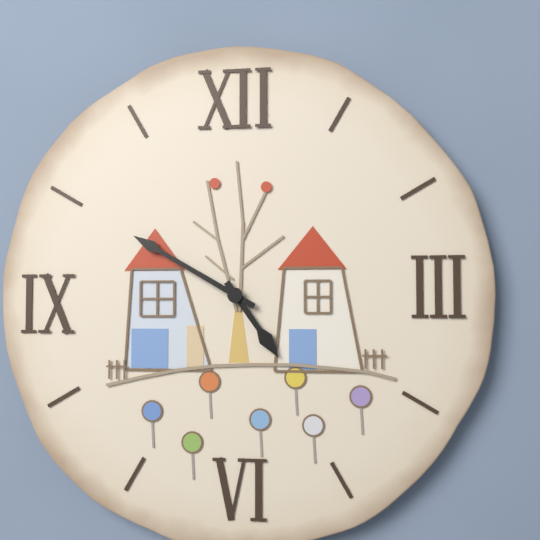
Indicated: 4,50
